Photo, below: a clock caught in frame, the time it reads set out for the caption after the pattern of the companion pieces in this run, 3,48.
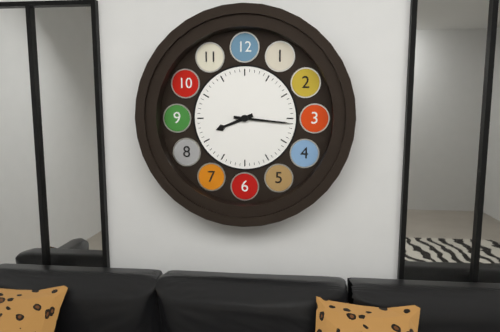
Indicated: 8,16
